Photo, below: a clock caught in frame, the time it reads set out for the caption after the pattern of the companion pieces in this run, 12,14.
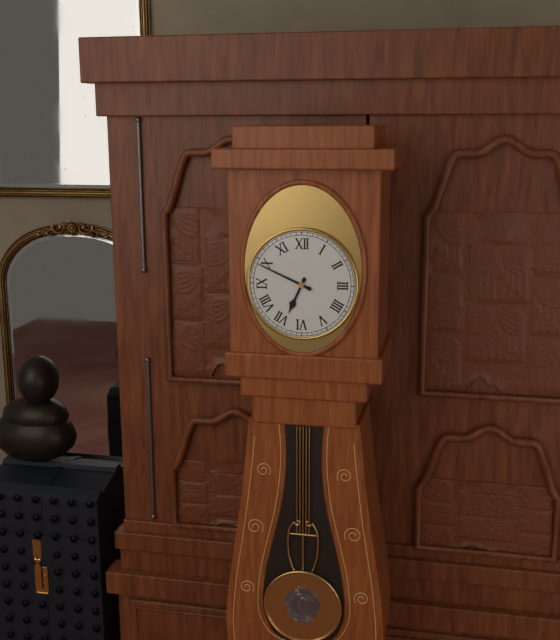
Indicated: 6,49
